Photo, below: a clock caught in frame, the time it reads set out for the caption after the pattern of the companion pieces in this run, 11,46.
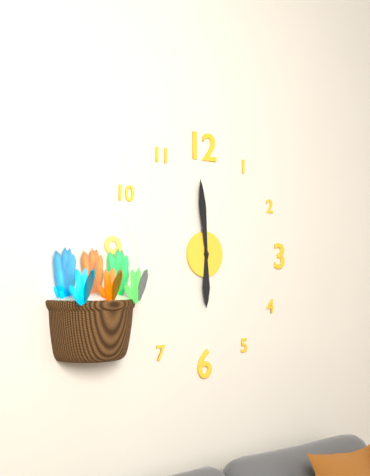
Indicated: 5,59
